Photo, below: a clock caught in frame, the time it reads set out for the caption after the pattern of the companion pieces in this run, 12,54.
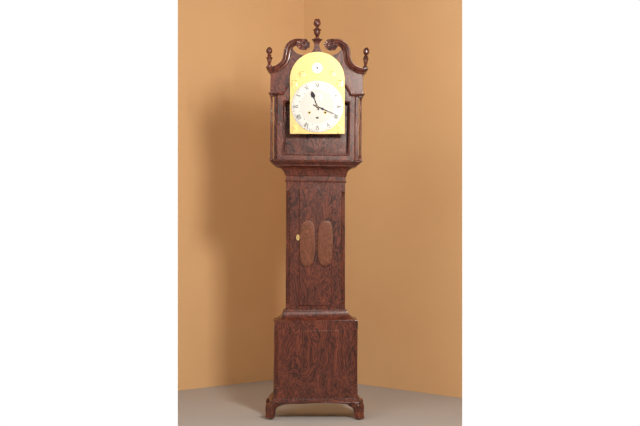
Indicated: 11,19
